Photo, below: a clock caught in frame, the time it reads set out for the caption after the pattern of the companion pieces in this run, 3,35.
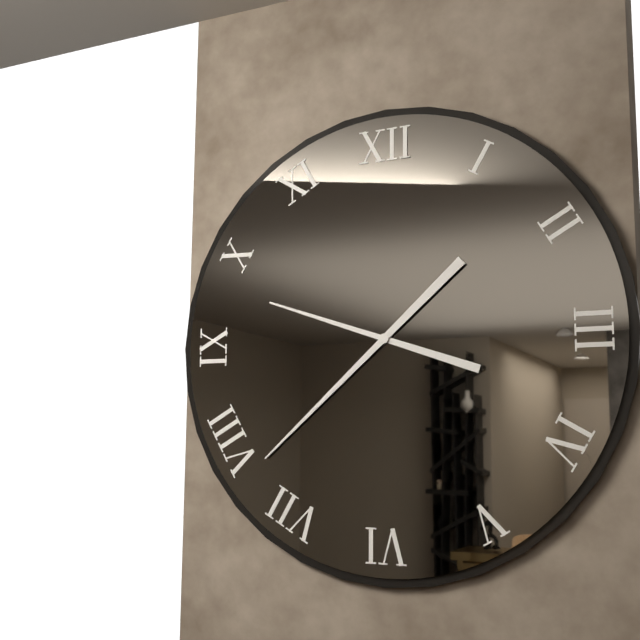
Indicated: 9,38
